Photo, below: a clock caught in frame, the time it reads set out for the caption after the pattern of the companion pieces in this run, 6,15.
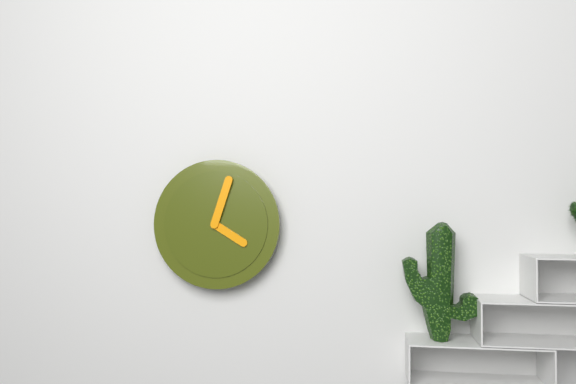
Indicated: 4,03
